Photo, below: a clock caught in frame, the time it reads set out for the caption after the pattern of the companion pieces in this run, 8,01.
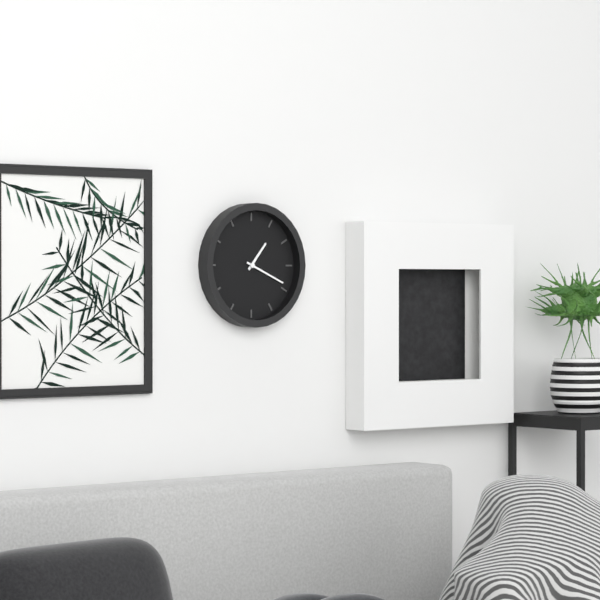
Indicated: 1,19
